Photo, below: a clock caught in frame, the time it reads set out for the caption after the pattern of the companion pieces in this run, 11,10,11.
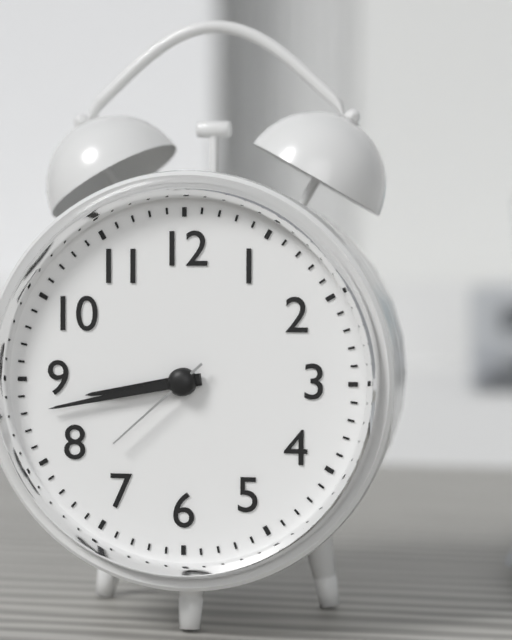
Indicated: 8,43,38
